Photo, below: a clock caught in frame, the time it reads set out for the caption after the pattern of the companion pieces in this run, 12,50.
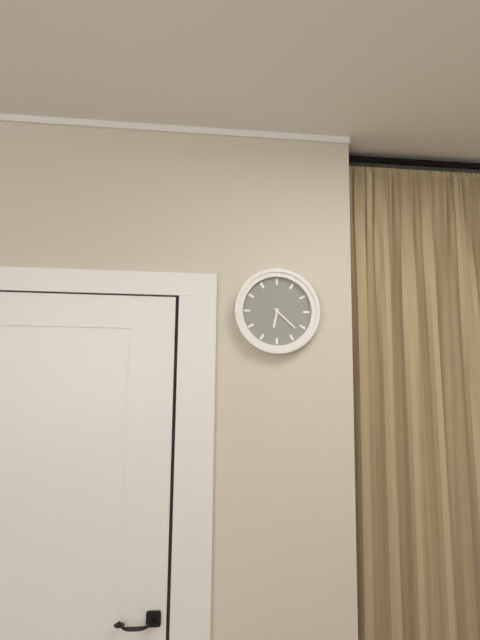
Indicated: 6,22
